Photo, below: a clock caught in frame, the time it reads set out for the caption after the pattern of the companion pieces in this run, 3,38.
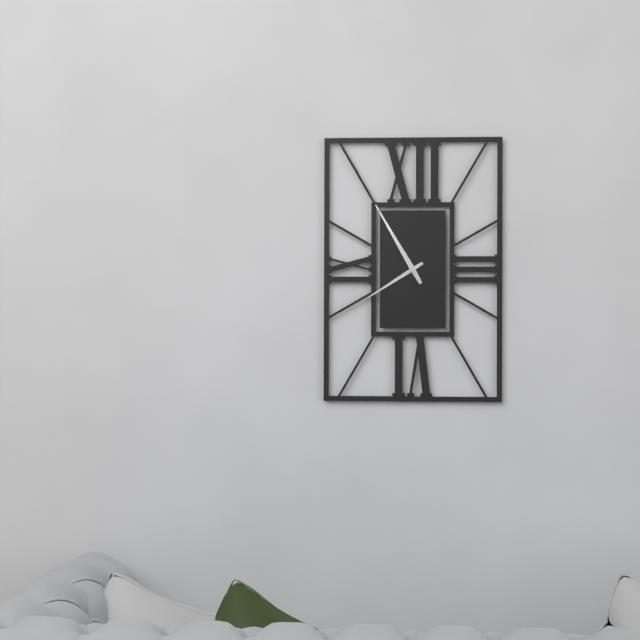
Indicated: 7,55
